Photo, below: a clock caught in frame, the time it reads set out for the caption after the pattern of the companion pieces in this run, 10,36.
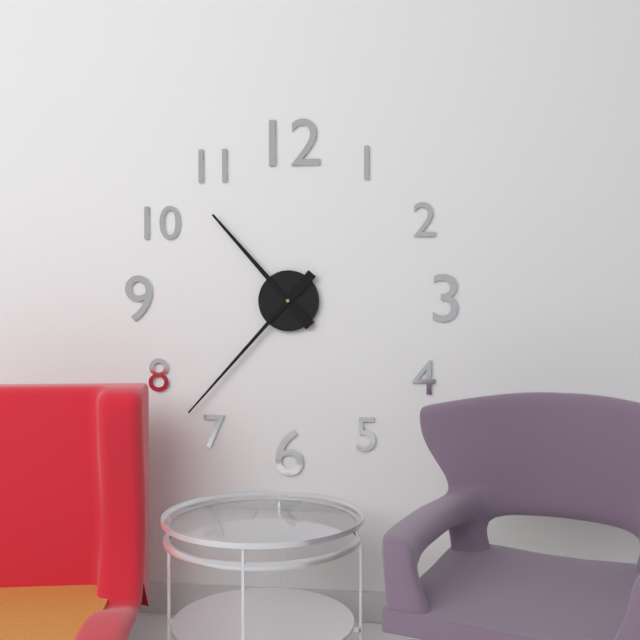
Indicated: 10,37
